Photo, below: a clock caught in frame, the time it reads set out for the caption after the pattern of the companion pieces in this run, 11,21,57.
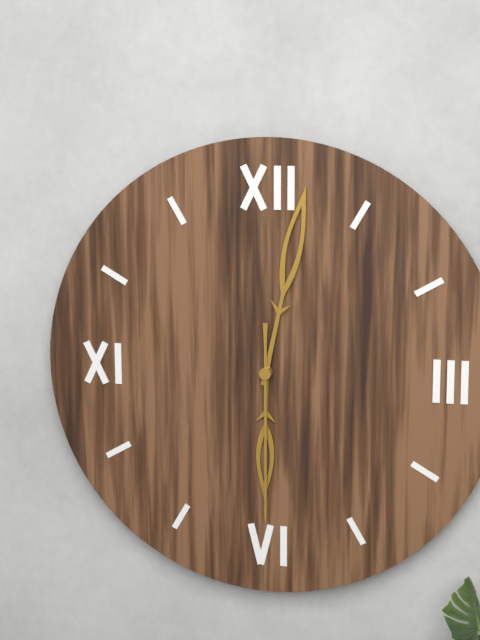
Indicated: 6,02,30
